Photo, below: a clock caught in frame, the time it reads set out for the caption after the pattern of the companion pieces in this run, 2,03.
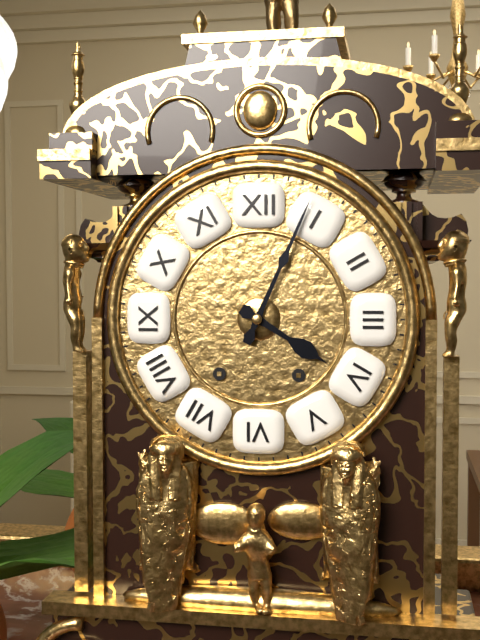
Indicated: 4,04
